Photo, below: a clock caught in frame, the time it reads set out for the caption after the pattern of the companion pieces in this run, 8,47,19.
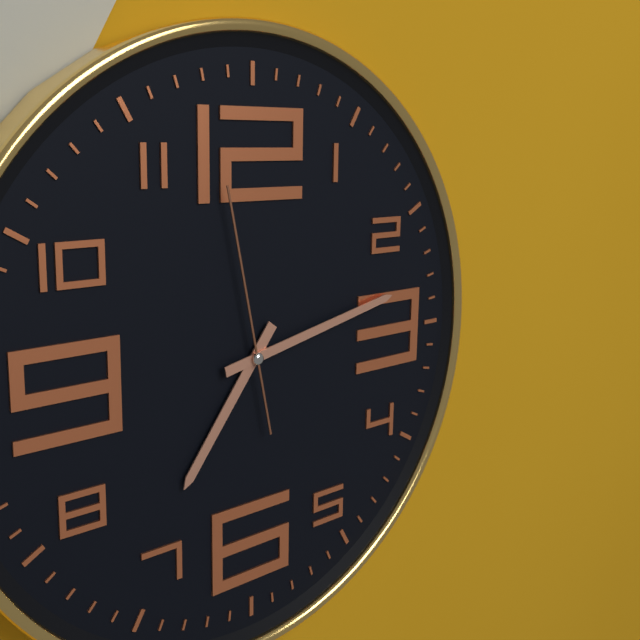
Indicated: 7,13,58
